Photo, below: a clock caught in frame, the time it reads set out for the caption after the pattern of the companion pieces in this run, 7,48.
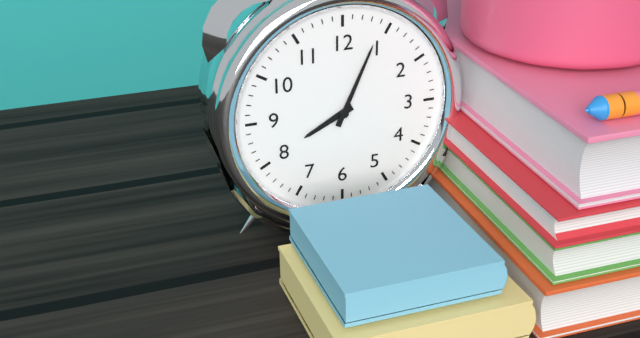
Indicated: 8,04
